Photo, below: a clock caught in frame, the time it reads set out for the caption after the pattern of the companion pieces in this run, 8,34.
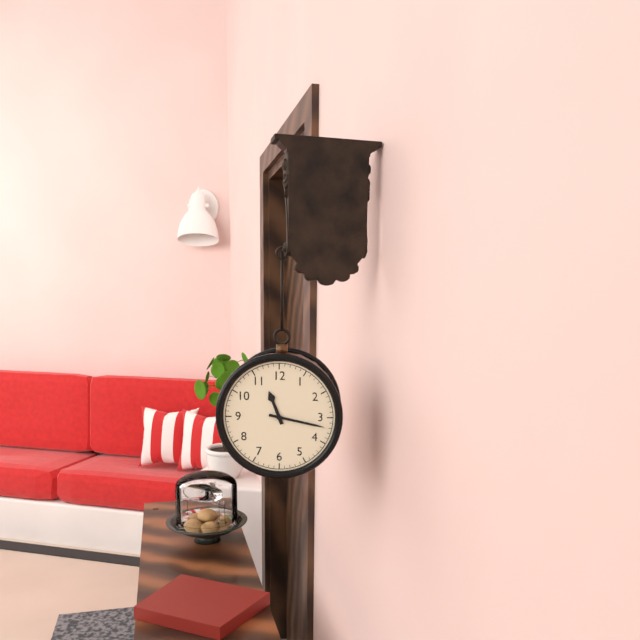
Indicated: 11,17
